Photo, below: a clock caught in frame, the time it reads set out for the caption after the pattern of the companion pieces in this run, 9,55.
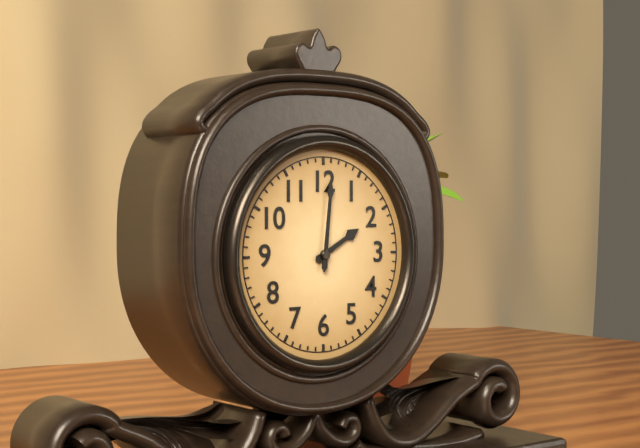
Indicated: 2,01
